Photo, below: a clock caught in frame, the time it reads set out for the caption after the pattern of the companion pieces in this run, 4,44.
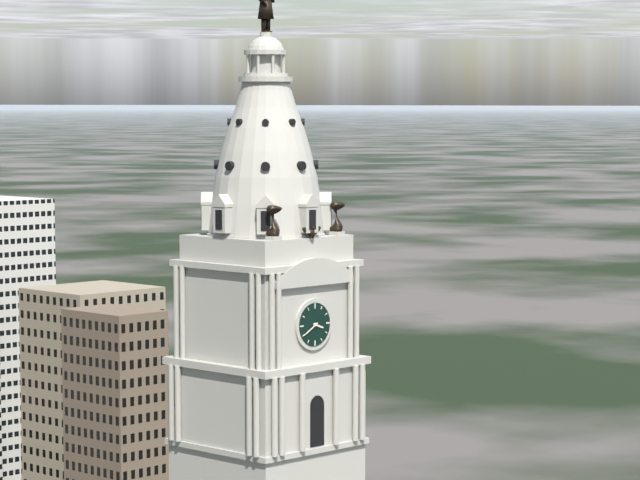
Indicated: 3,40
